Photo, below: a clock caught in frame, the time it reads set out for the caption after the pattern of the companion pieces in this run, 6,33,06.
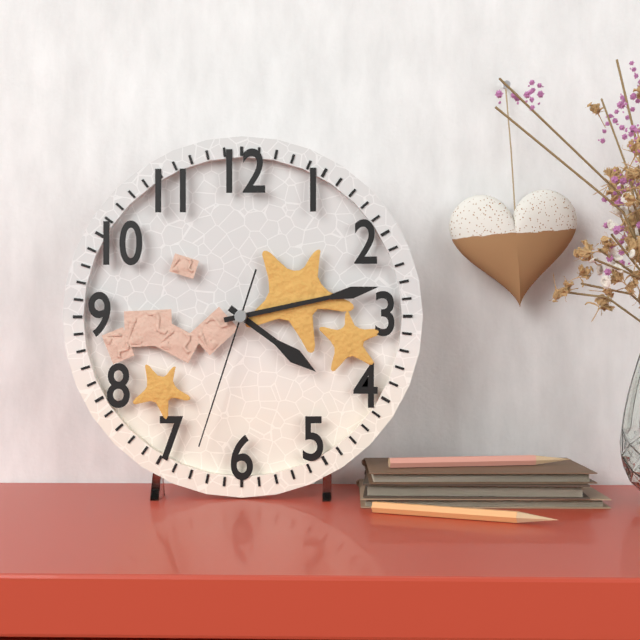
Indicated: 4,13,33
